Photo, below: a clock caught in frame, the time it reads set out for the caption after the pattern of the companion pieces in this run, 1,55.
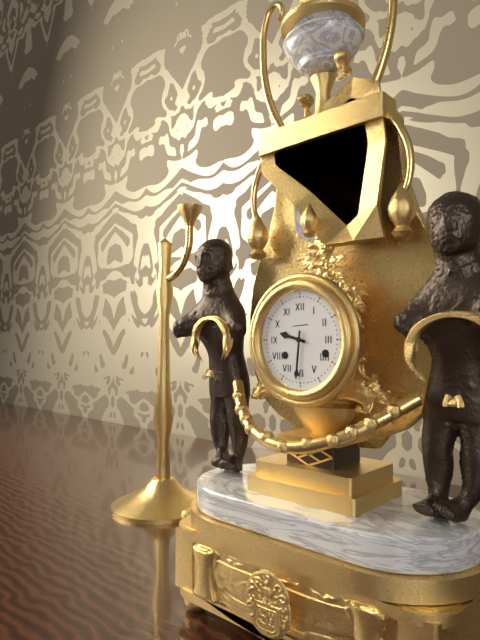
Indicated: 9,31
